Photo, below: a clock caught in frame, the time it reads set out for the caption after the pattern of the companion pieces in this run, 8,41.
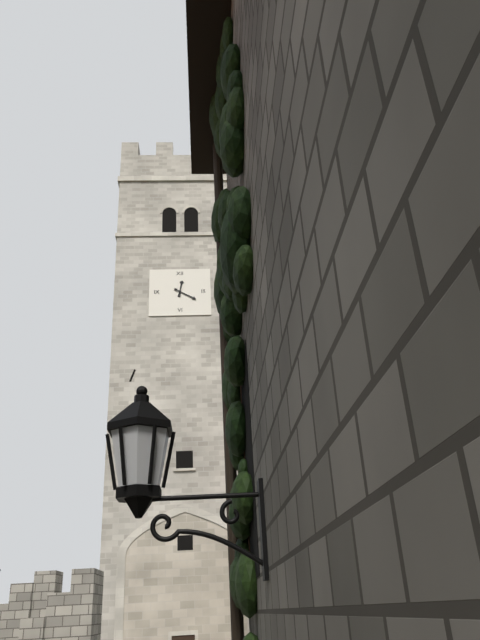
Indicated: 12,20
